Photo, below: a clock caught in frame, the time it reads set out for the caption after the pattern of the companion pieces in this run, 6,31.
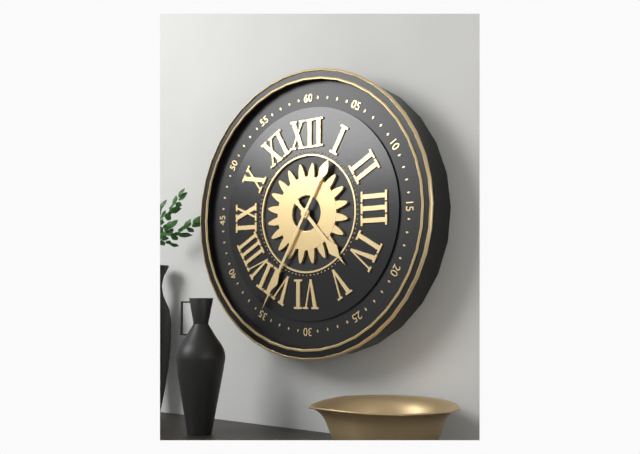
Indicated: 4,35
